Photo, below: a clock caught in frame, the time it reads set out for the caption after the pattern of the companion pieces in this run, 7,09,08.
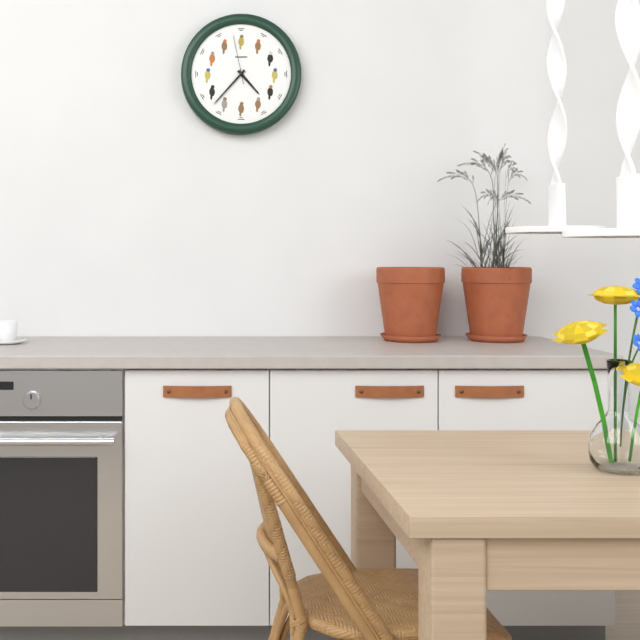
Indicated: 4,37,58
